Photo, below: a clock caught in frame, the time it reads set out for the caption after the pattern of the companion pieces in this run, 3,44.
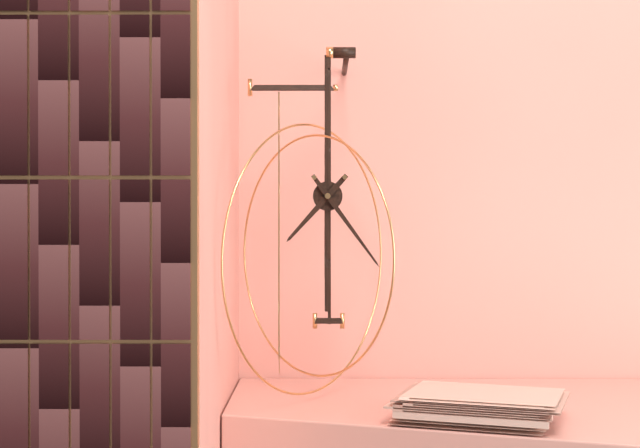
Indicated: 7,24
